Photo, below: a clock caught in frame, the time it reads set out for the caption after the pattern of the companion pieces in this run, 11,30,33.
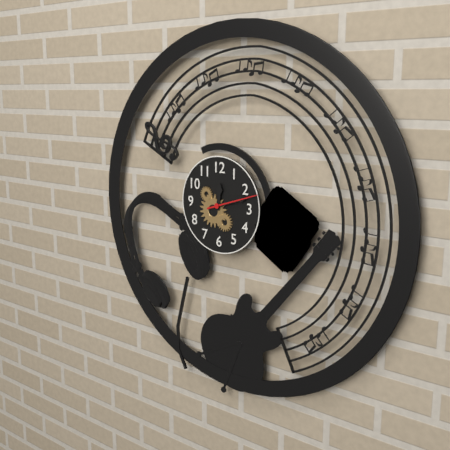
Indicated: 12,12,12
